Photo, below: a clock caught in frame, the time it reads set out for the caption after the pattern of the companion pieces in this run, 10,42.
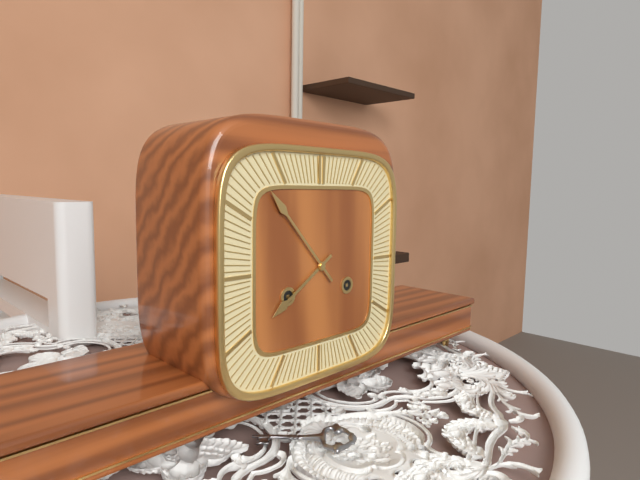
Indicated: 7,53
